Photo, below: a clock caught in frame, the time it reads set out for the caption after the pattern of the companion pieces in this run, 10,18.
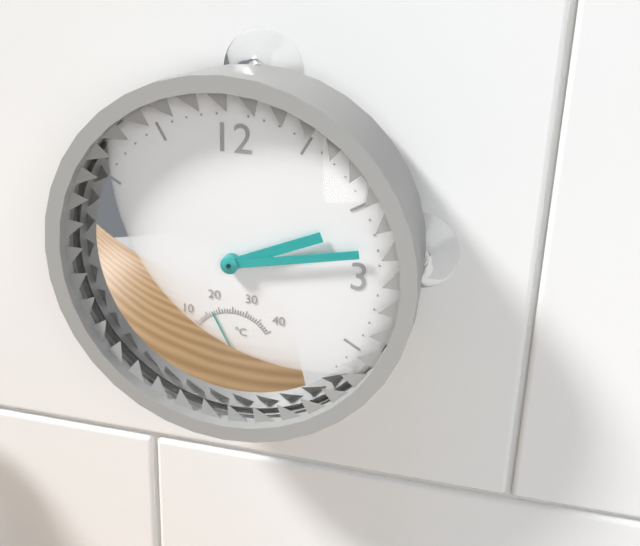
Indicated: 2,13
